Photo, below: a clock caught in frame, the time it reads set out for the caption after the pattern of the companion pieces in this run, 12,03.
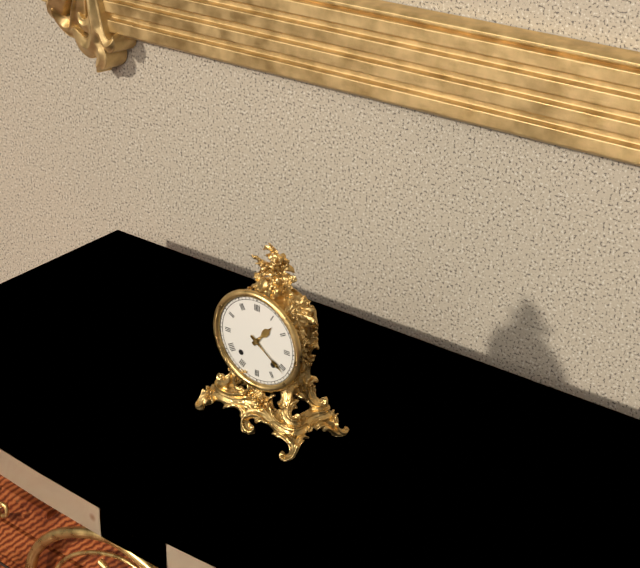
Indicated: 1,21
